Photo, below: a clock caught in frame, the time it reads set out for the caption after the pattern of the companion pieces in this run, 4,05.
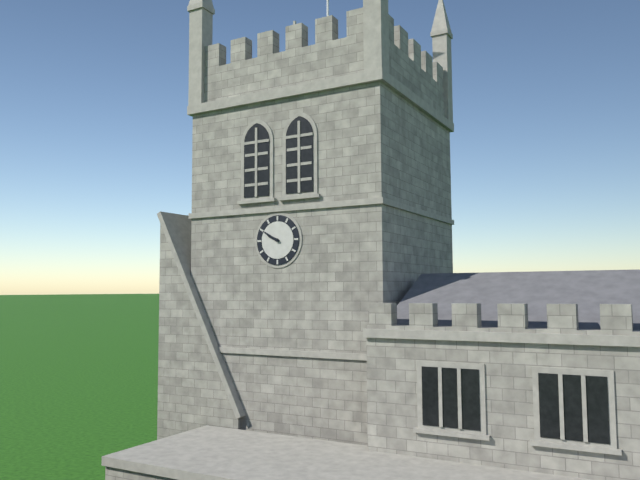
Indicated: 9,50
